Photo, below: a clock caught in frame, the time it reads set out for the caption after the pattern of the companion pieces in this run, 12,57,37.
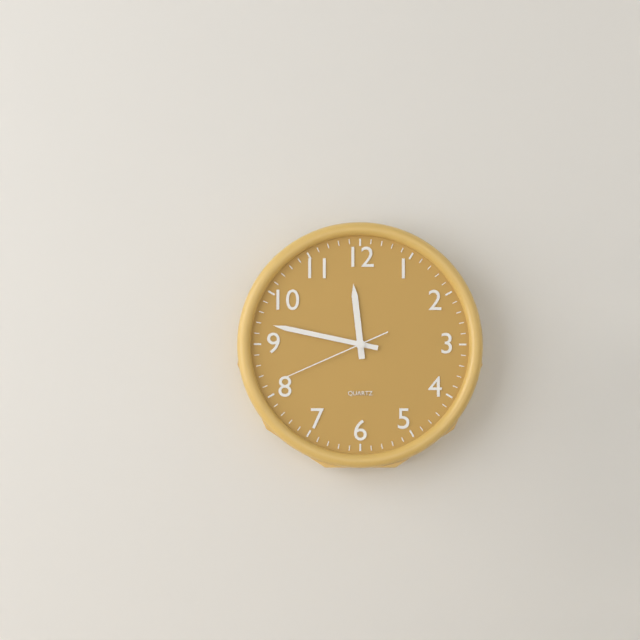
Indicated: 11,47,41
